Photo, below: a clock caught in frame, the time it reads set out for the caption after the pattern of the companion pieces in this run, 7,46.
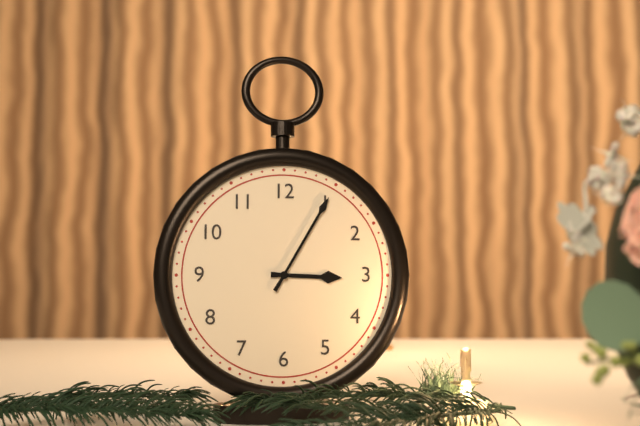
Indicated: 3,05
